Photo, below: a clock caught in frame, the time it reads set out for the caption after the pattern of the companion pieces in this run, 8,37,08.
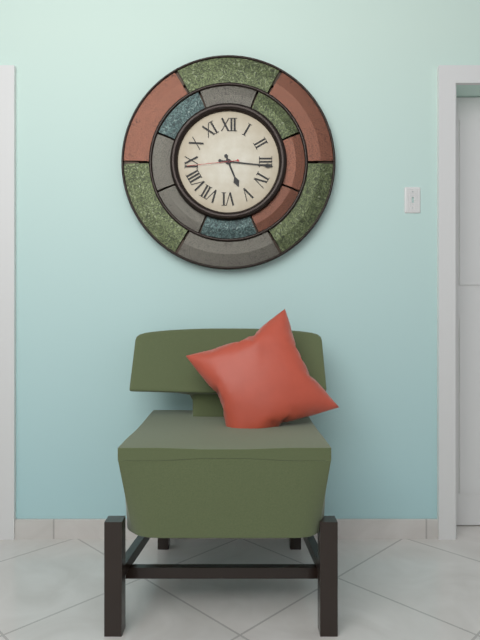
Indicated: 5,16,44
